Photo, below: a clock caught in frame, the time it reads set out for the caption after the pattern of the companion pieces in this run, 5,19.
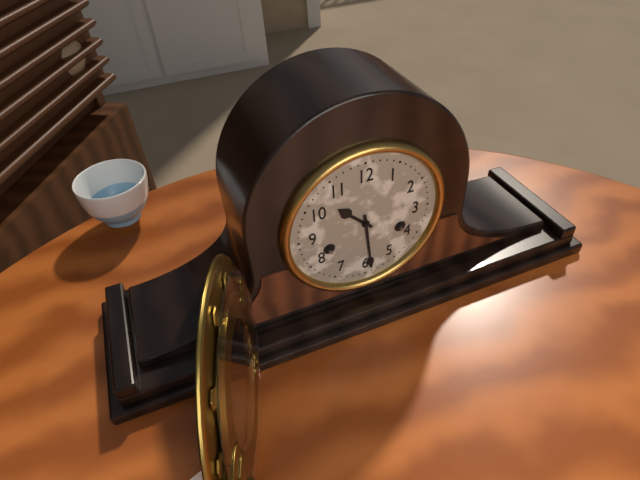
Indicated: 10,29
